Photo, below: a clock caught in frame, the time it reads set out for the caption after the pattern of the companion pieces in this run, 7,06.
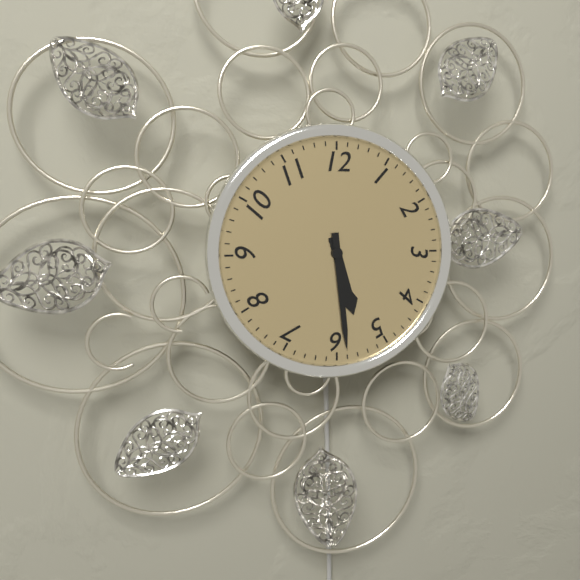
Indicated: 5,29
